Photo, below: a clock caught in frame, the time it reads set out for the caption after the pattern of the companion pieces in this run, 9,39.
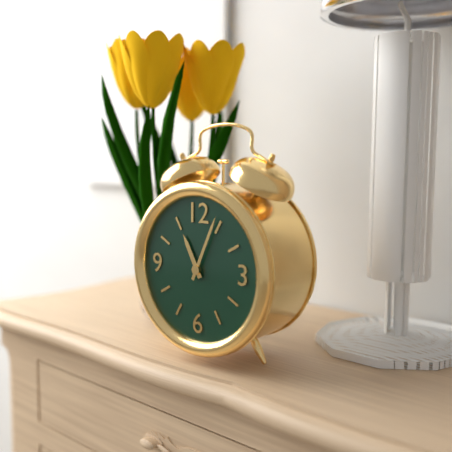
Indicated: 11,04
